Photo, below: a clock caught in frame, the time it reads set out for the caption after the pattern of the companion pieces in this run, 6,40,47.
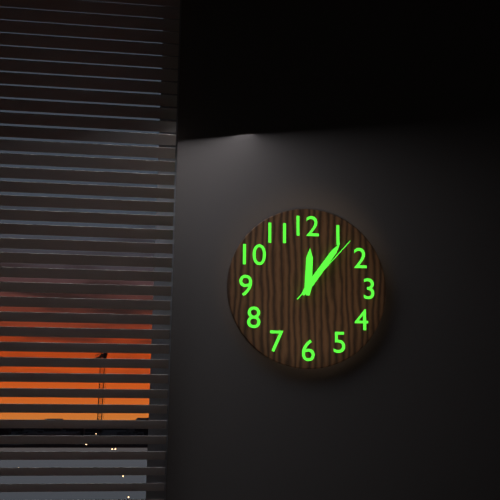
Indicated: 12,06,07
